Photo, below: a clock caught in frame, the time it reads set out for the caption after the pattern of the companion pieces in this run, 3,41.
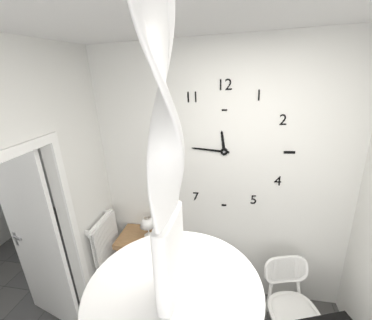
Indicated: 11,46
